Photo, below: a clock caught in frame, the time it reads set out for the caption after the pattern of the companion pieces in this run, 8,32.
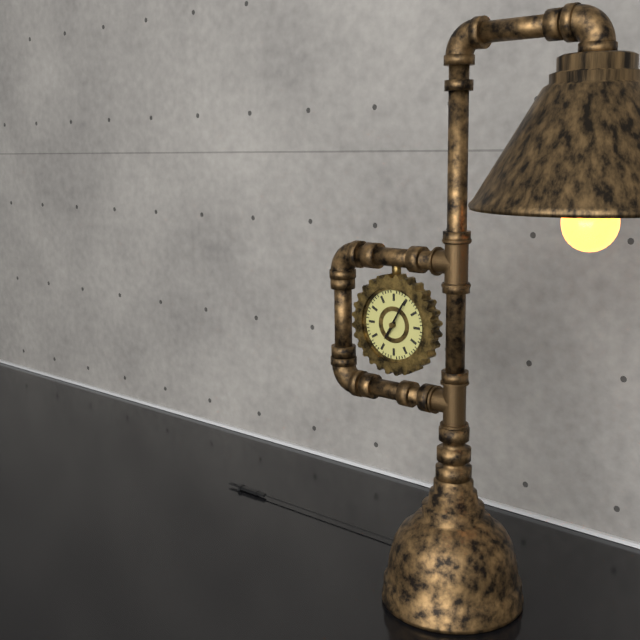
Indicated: 7,05
